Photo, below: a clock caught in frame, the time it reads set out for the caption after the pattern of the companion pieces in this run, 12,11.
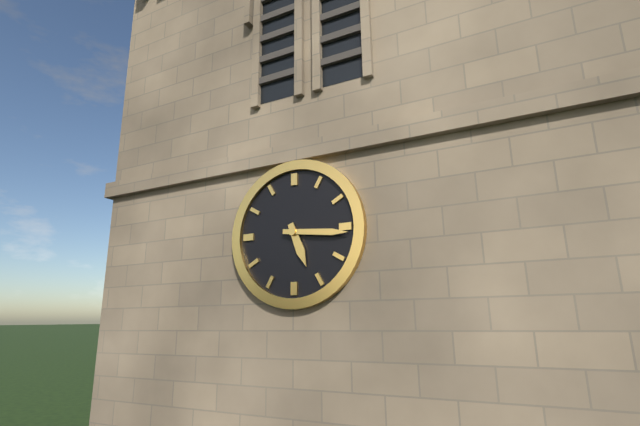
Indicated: 5,16
